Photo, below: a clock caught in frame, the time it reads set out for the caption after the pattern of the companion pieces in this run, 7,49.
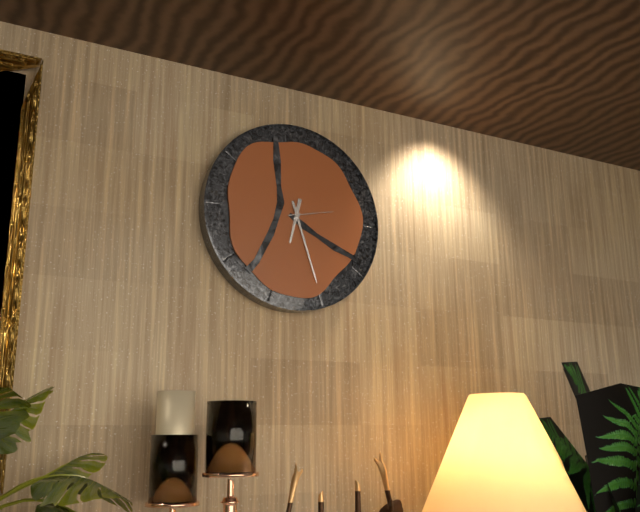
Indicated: 6,27
